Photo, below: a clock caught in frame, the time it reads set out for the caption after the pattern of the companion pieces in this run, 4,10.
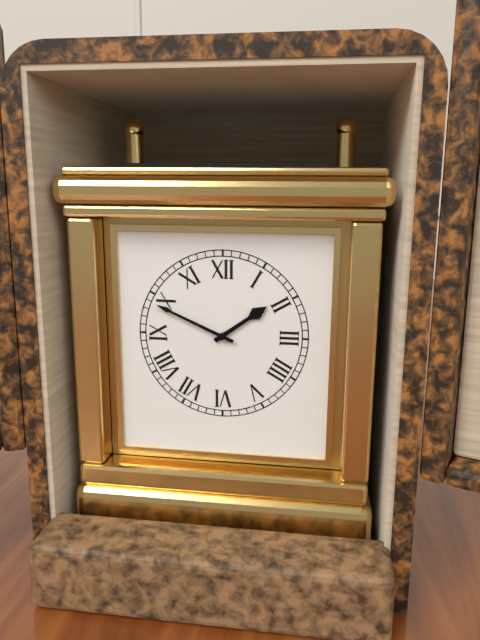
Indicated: 1,49
